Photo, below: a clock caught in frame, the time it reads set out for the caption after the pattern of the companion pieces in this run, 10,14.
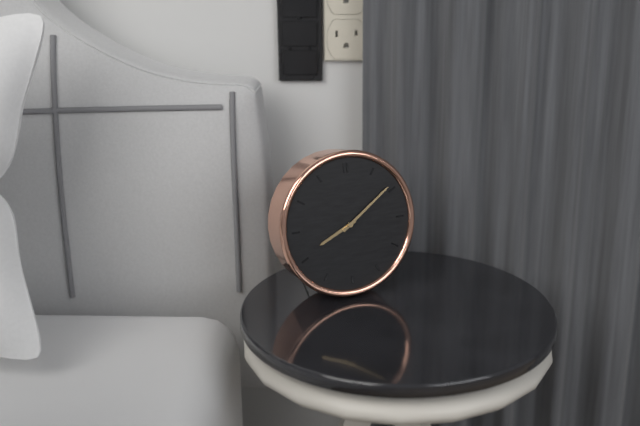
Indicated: 8,09
